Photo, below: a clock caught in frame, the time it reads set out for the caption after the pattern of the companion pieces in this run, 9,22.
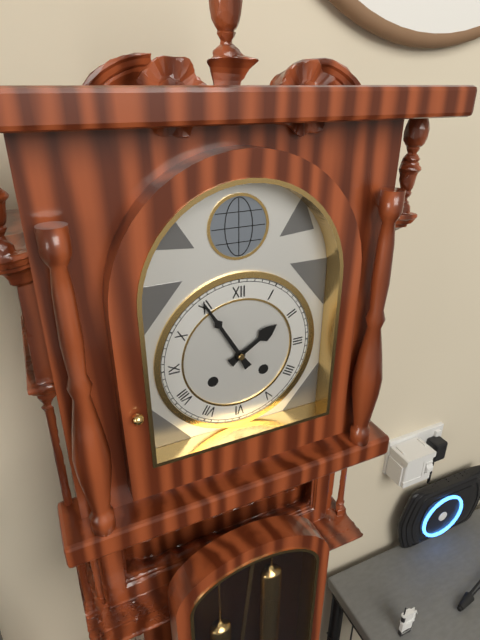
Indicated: 1,55
